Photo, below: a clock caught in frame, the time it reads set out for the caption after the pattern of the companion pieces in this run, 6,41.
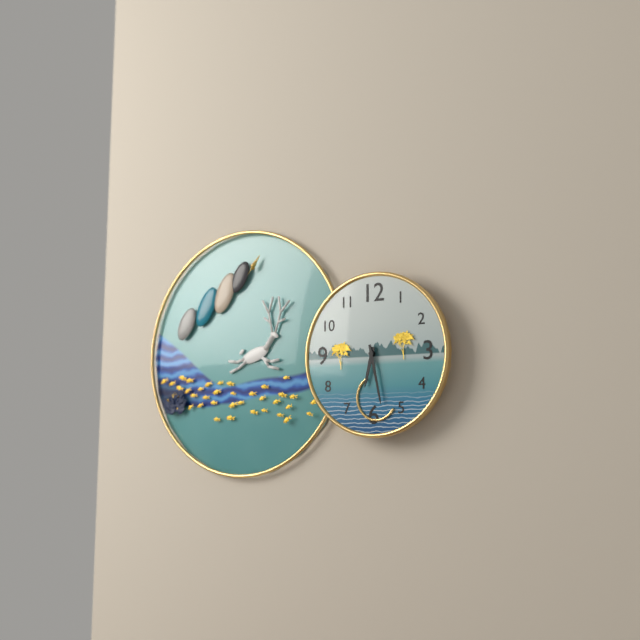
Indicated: 6,28
